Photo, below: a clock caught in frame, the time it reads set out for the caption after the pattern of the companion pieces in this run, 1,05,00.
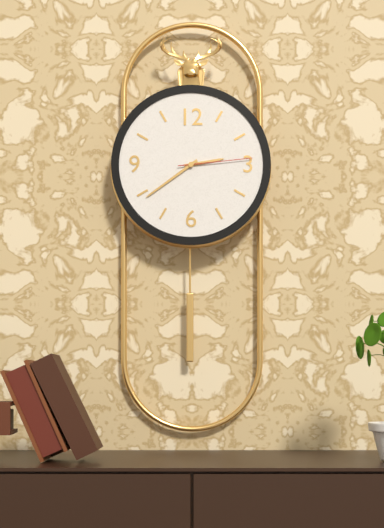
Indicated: 2,39,14
